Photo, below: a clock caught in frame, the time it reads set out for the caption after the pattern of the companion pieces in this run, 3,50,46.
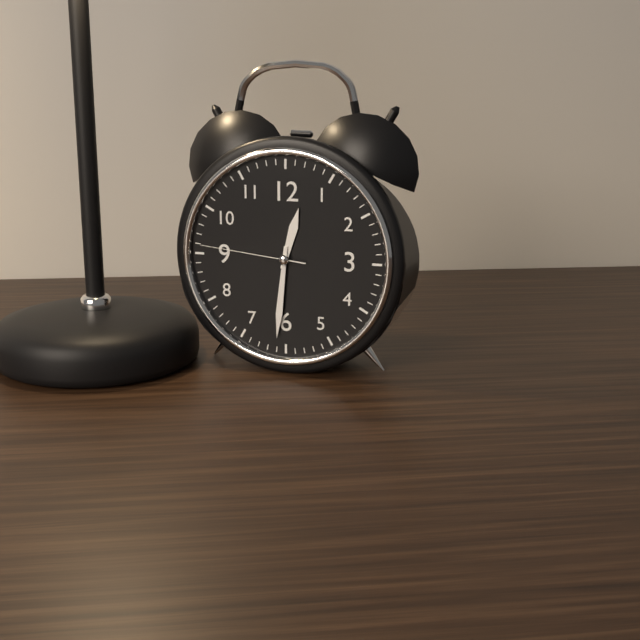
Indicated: 12,31,46
